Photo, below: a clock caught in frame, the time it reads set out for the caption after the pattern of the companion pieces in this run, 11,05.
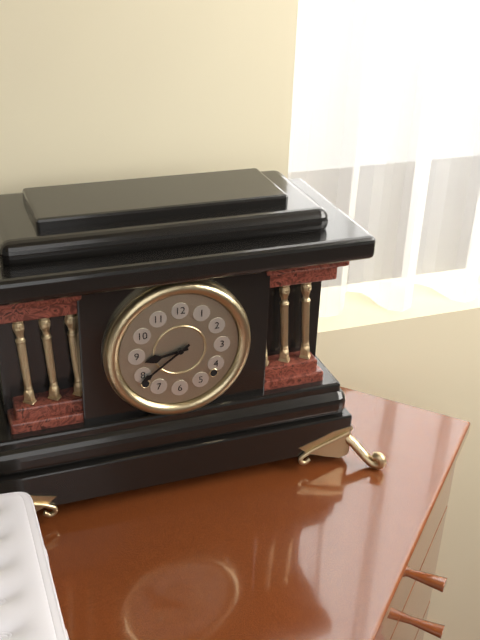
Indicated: 8,39
